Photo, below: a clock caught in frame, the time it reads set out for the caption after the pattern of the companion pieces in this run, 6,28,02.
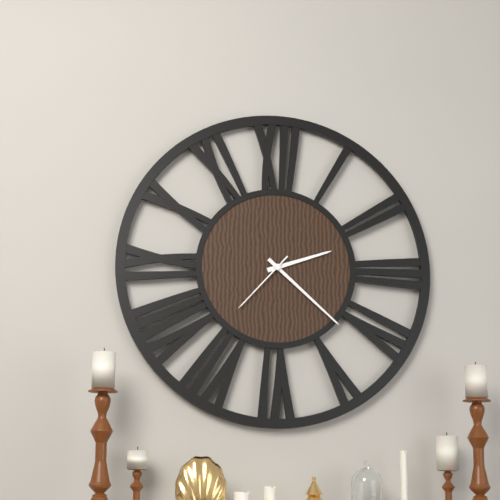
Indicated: 2,22,37
